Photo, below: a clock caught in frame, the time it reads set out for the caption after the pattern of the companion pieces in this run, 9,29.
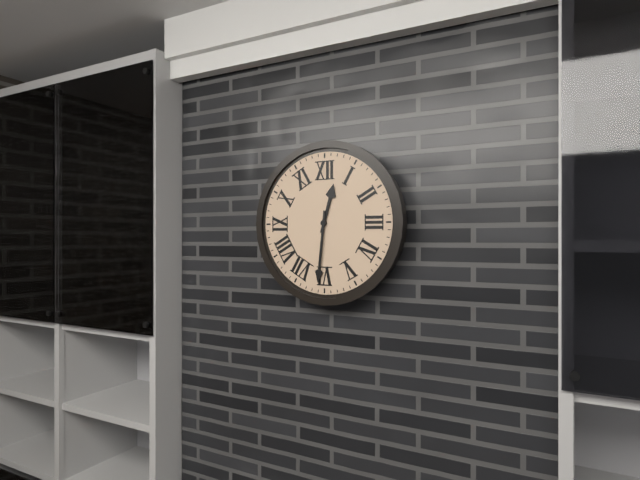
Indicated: 12,31
